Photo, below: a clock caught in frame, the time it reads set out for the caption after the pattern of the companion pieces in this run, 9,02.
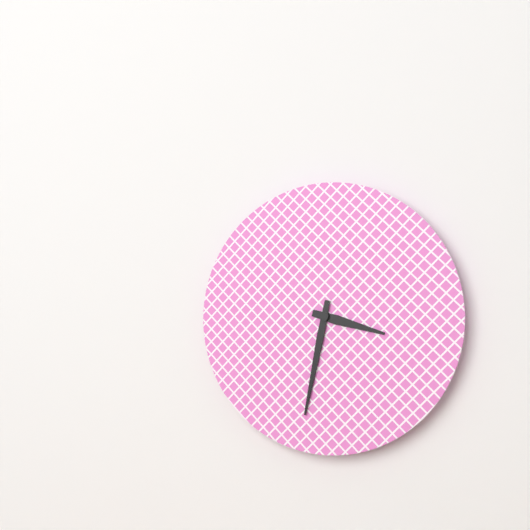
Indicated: 3,32
